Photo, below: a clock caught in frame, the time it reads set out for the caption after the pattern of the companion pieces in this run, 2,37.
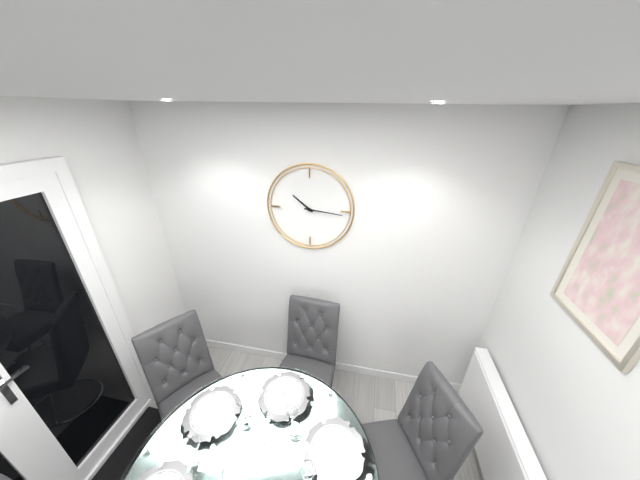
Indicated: 10,16
